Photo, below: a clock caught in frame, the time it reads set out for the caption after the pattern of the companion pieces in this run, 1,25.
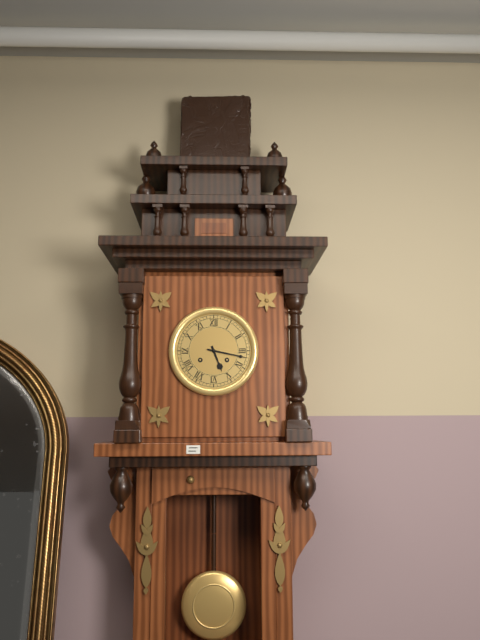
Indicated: 5,17
